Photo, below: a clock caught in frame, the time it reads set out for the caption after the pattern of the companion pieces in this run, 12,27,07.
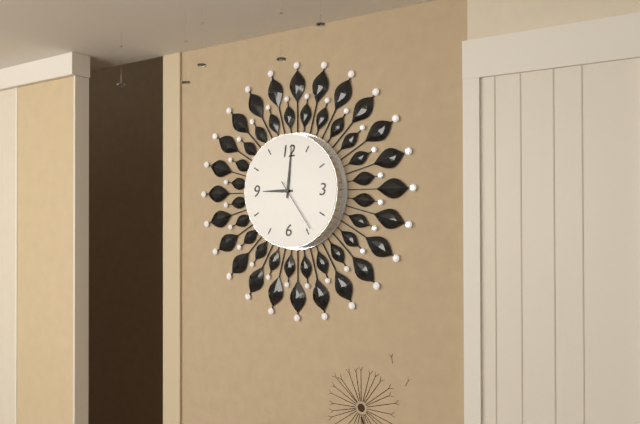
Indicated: 9,01,24
